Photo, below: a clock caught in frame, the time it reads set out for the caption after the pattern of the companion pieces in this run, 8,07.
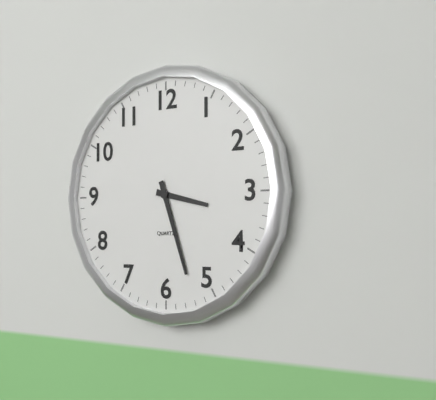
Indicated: 3,27
